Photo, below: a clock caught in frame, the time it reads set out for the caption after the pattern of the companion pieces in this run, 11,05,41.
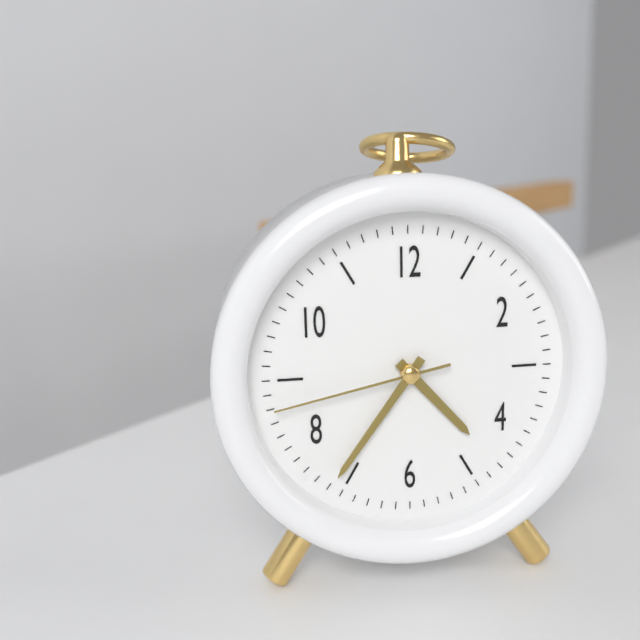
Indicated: 4,36,43
